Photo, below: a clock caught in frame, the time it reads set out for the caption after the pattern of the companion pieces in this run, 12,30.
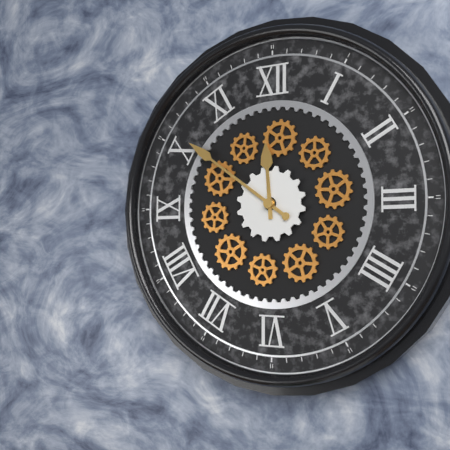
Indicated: 11,51
